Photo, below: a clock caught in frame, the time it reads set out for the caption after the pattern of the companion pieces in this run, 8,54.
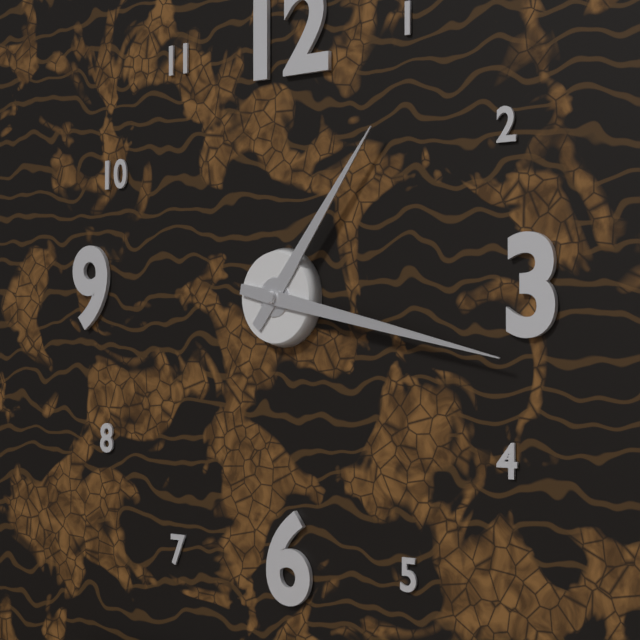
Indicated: 1,17
